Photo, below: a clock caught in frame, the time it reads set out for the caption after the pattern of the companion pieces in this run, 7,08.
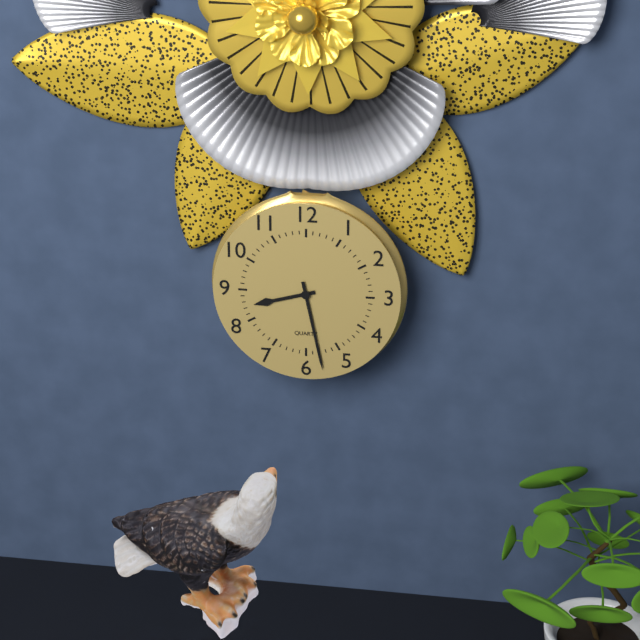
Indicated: 8,28
